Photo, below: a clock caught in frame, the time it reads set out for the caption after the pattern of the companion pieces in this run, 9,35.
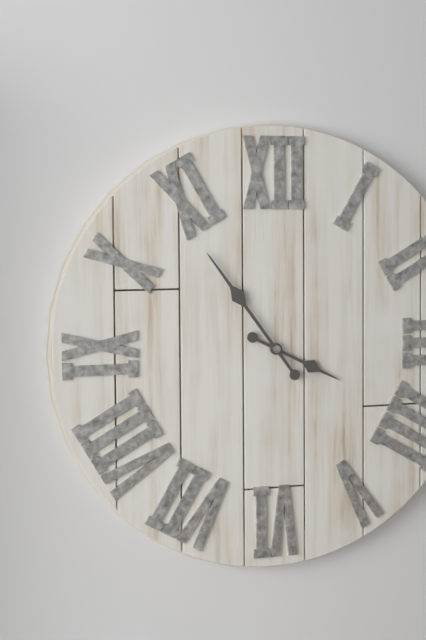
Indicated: 3,54
